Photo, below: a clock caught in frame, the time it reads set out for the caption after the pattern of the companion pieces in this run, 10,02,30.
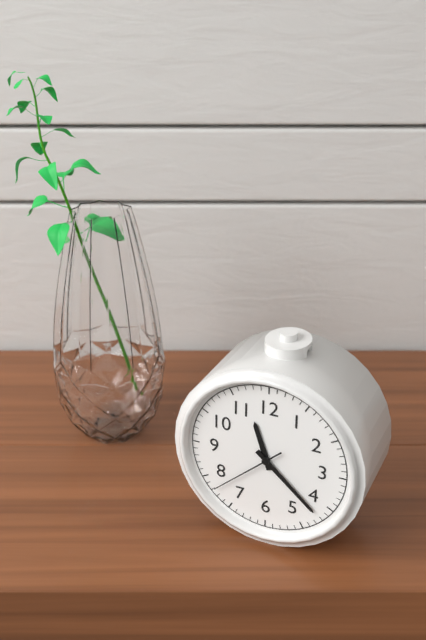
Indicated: 11,22,38
